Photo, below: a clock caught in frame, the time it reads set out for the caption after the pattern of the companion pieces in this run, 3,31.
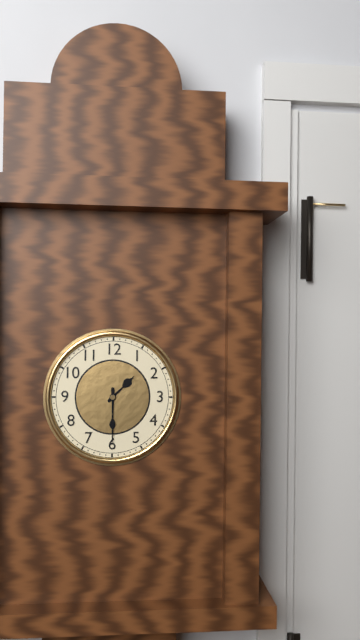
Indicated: 1,30
